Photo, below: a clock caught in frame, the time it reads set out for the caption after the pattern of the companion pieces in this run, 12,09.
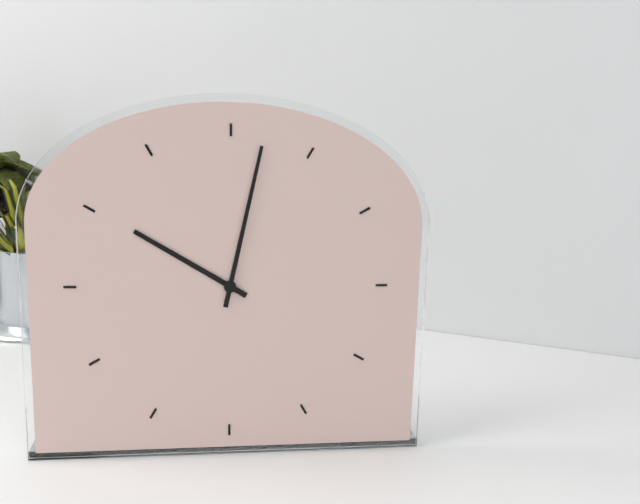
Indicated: 10,02
